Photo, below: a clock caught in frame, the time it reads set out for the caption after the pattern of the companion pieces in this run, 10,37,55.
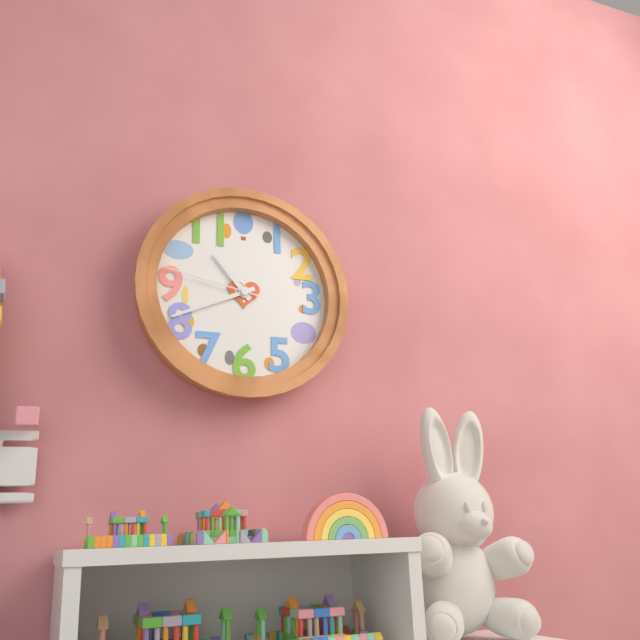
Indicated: 10,41,47
